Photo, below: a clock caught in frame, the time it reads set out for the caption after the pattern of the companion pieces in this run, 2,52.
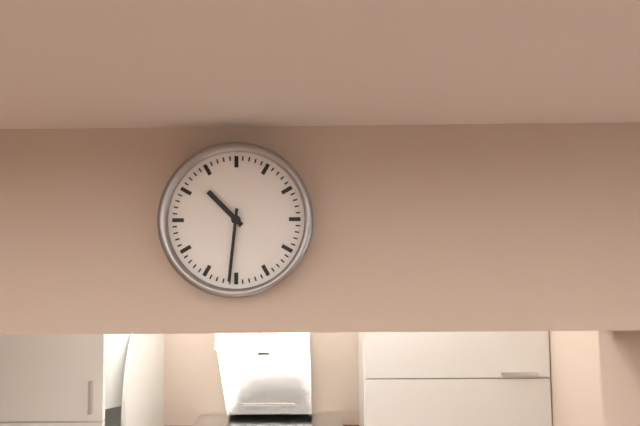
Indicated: 10,31
